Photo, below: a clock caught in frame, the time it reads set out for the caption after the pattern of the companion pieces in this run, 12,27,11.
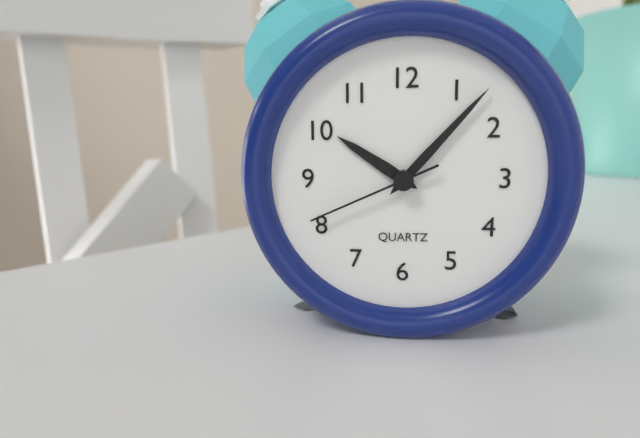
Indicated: 10,07,41
